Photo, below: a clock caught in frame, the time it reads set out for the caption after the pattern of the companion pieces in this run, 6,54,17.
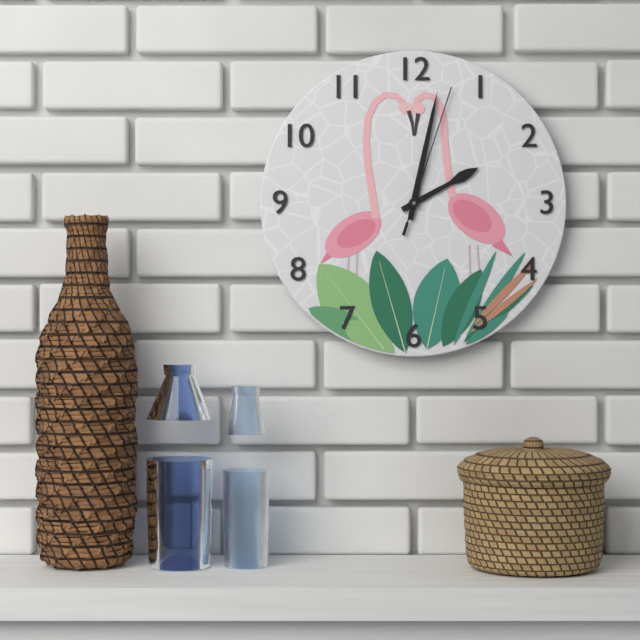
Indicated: 2,02,03
